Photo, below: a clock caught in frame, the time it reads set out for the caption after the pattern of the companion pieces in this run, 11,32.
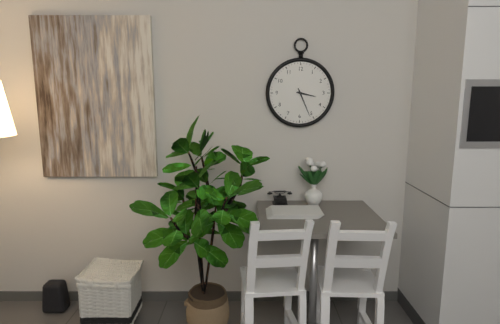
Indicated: 3,26
